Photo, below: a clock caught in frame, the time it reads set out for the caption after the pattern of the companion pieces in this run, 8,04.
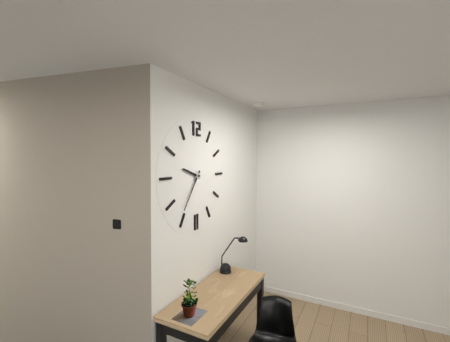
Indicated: 9,36
